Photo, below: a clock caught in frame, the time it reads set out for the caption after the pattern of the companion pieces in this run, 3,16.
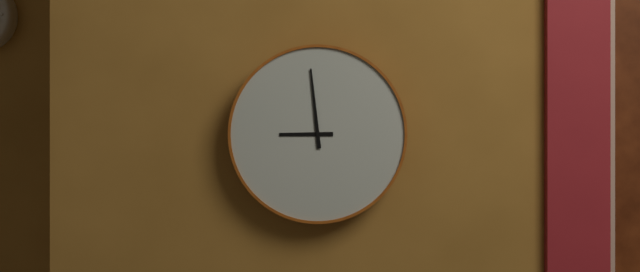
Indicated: 8,59
